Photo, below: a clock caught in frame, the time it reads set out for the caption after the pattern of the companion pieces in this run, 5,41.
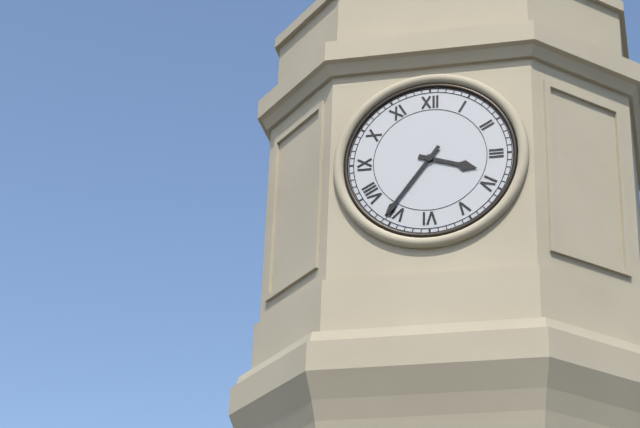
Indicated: 3,36
